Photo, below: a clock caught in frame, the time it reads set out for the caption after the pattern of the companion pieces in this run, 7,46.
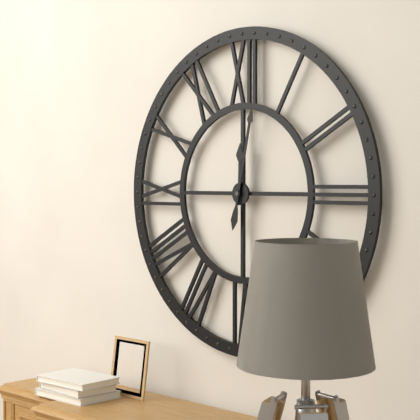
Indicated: 12,02
